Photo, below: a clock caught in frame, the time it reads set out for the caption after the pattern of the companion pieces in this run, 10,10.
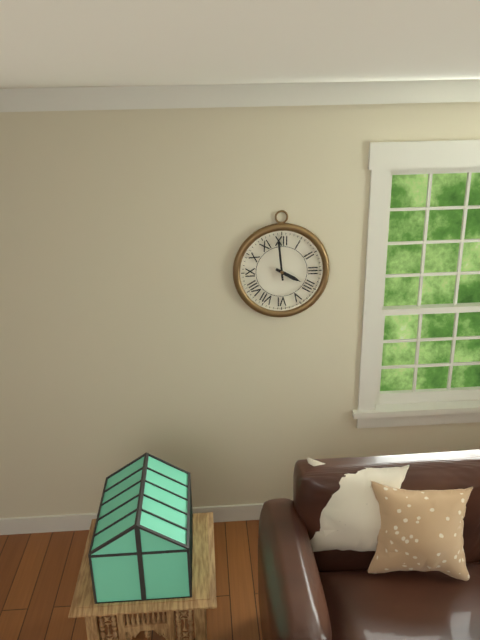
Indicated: 3,59
